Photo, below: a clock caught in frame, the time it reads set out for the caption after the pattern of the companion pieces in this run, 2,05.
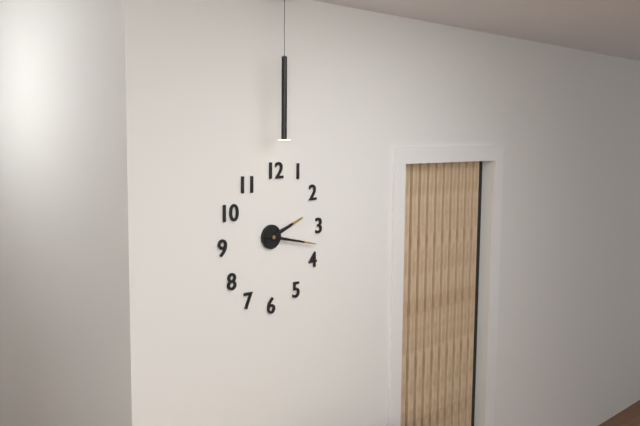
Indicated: 2,17
